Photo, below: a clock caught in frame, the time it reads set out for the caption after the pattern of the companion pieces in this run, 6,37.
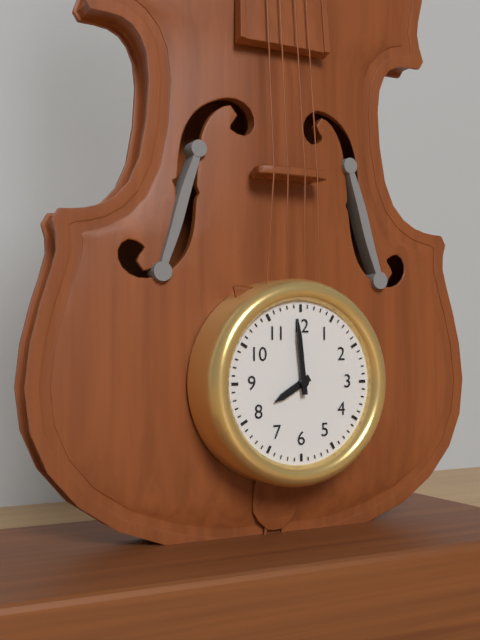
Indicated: 7,59
